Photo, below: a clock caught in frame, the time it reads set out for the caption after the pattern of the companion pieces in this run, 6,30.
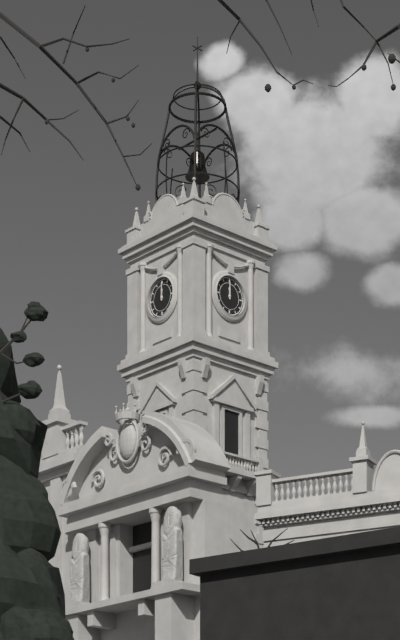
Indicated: 12,00
